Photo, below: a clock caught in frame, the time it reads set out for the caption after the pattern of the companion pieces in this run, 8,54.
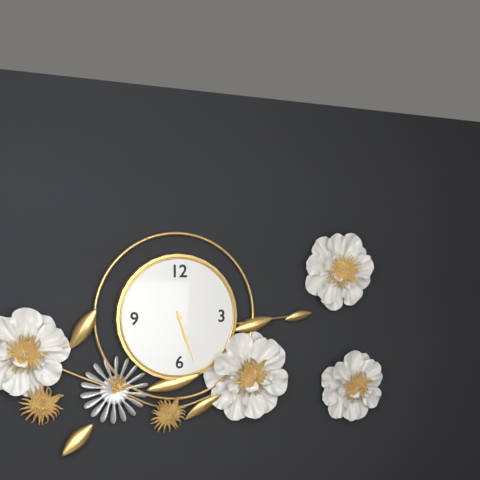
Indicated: 5,27
